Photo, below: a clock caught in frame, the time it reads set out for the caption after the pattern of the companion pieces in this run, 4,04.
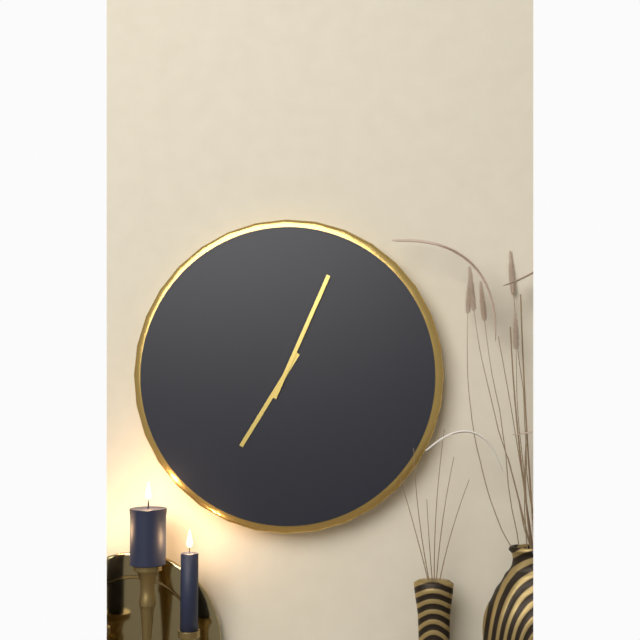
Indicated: 7,04
